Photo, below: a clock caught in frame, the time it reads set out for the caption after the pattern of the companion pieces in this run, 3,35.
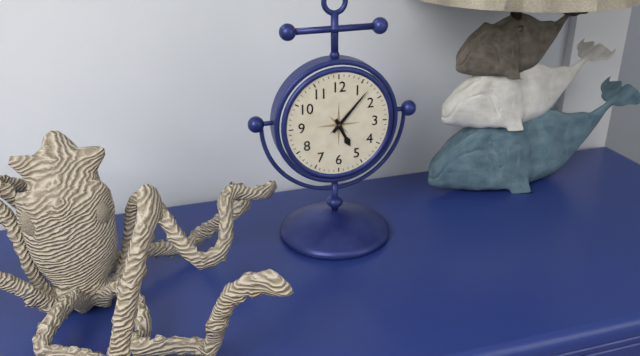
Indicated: 5,07
